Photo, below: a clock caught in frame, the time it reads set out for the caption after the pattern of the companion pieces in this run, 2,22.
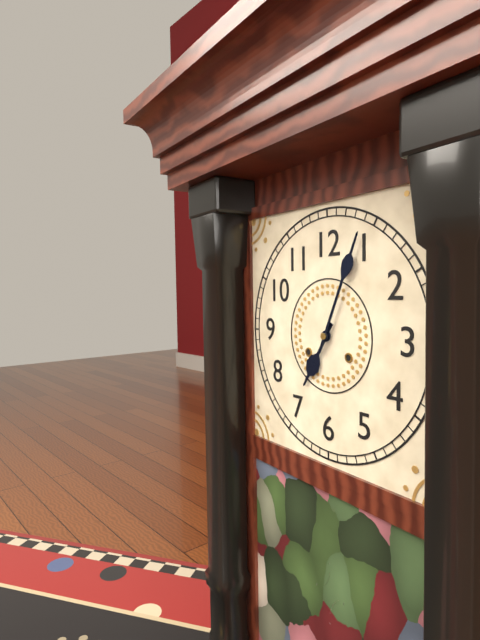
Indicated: 7,04
